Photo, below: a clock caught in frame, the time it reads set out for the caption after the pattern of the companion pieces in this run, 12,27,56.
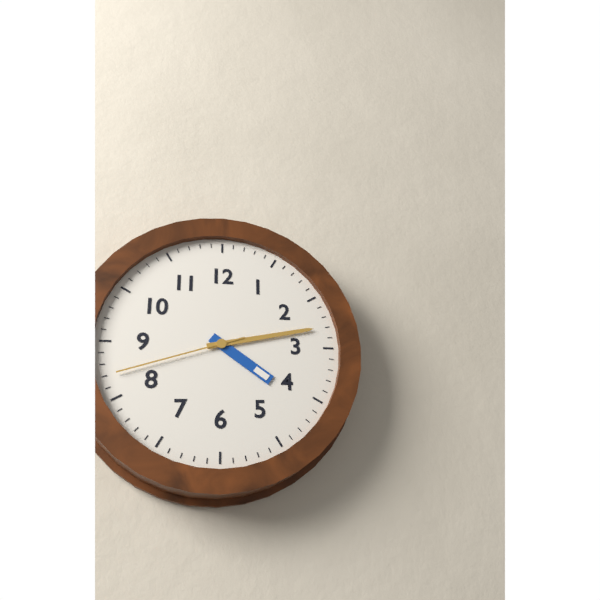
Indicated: 4,13,42
